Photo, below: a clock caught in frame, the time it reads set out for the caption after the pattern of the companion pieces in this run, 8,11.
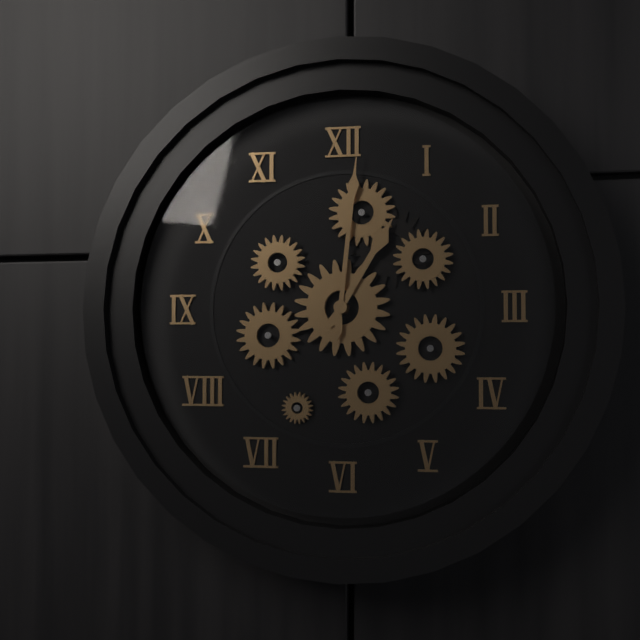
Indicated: 1,01
